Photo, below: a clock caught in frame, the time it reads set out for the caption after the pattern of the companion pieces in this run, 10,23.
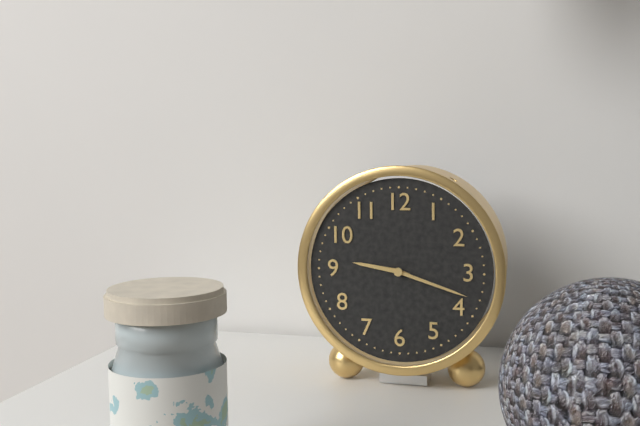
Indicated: 9,18
